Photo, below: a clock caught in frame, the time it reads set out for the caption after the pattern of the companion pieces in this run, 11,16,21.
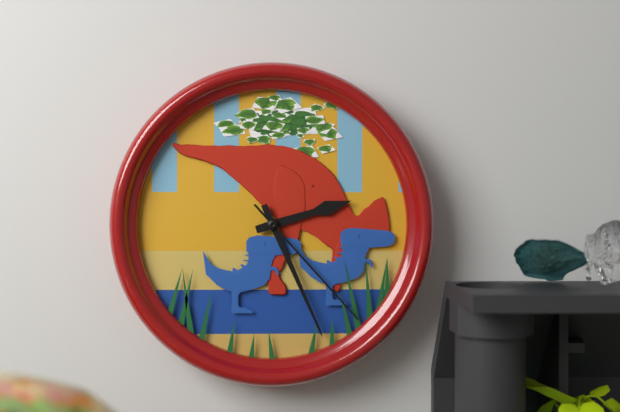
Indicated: 2,26,23
